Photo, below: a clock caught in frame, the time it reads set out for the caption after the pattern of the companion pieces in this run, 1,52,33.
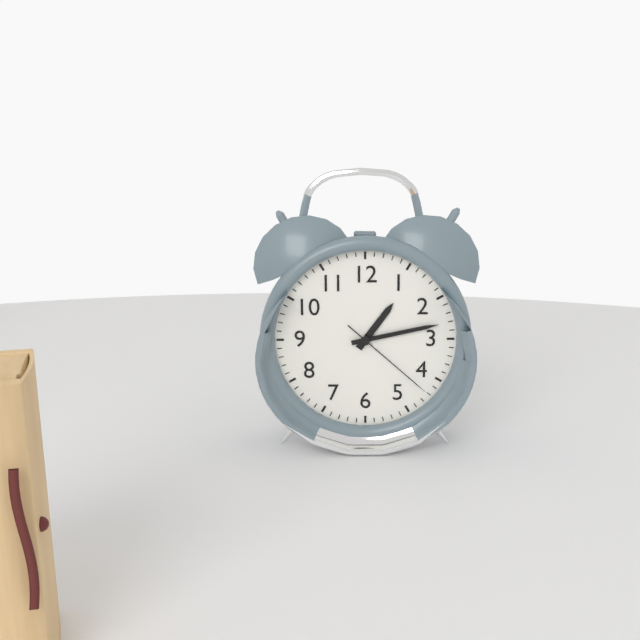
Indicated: 1,13,22
